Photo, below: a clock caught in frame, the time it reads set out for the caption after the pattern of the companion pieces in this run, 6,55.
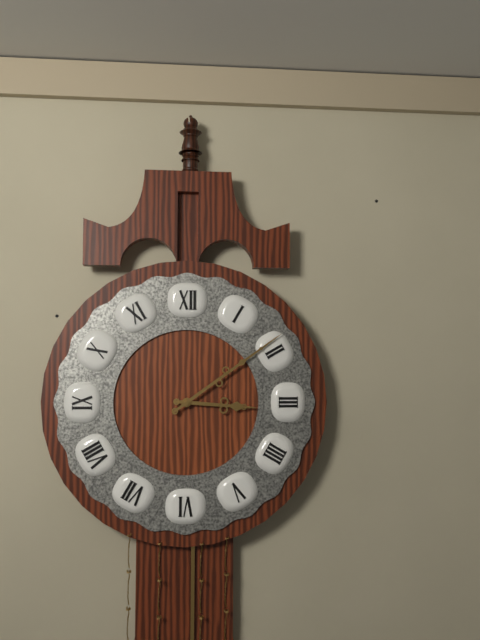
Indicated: 3,09
